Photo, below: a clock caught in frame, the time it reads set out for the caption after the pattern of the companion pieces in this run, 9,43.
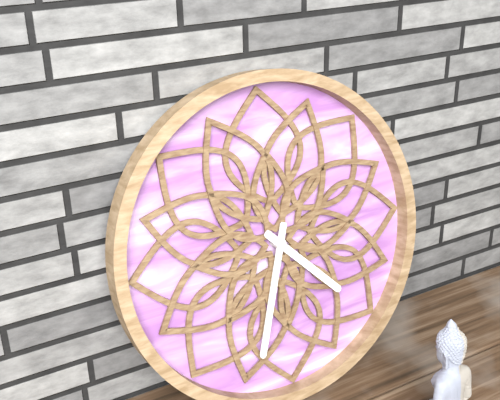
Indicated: 4,33
